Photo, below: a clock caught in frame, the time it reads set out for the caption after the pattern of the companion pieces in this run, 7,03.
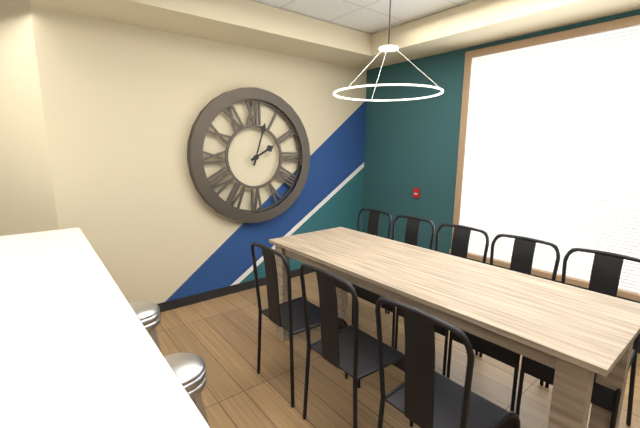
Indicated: 2,03
